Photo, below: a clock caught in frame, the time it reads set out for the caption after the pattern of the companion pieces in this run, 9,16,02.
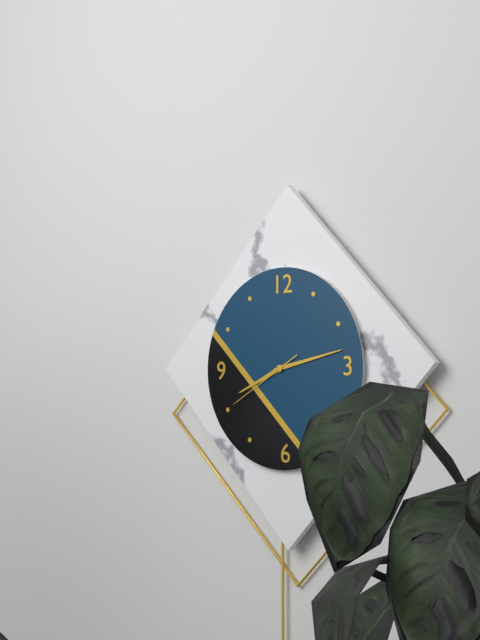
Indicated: 8,13,40
